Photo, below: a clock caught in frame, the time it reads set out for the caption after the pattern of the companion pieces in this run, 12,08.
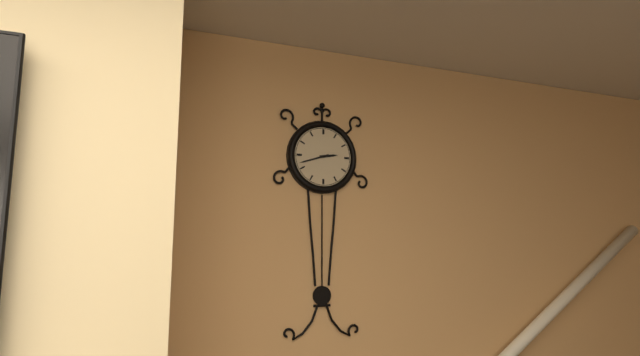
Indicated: 2,42
